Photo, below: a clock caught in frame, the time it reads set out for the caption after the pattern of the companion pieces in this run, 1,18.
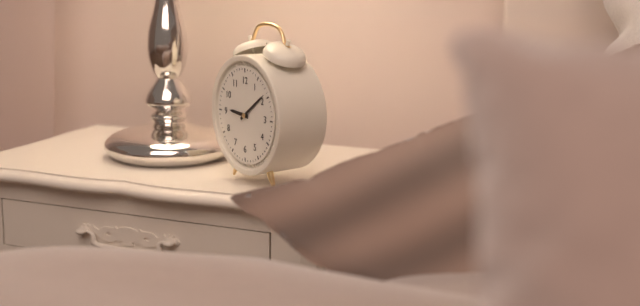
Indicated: 9,09
